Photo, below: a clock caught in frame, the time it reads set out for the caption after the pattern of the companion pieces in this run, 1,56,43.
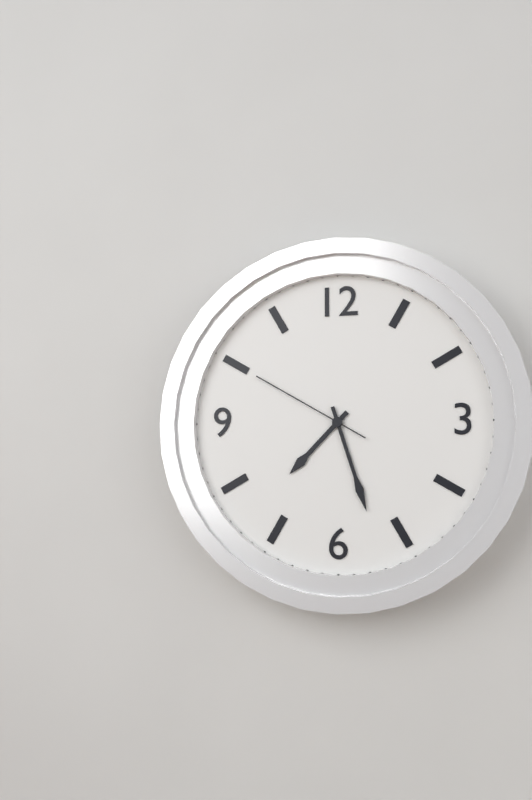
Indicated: 7,27,50
